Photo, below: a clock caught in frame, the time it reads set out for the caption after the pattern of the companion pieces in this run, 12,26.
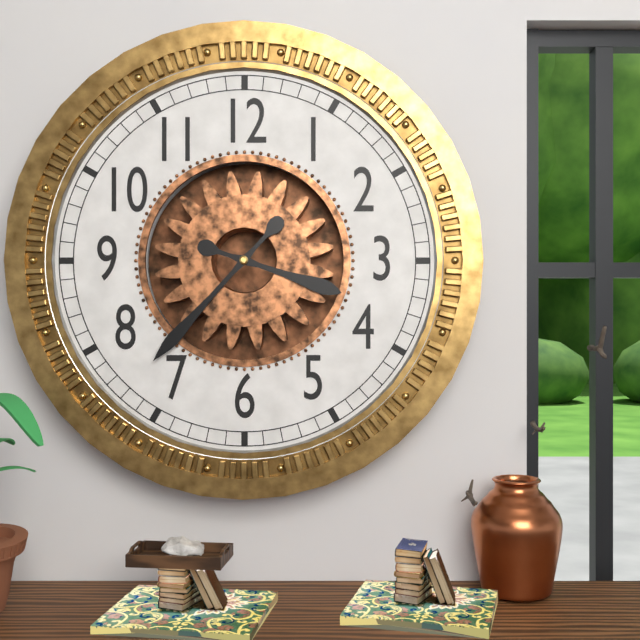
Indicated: 3,37
